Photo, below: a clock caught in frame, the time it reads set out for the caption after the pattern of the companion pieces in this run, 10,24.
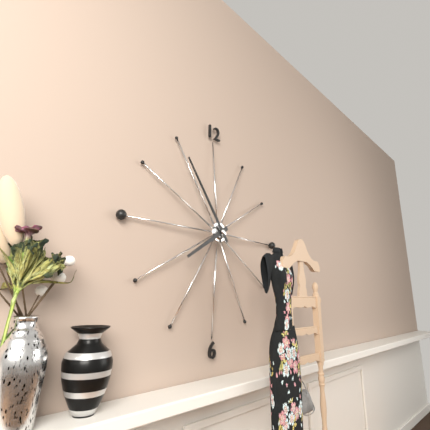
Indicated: 7,54
